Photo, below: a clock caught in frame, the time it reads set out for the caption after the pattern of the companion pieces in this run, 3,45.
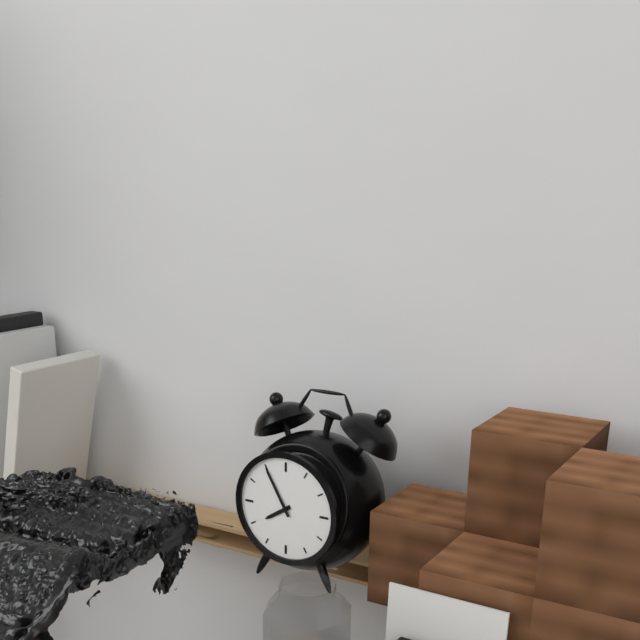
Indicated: 7,55
